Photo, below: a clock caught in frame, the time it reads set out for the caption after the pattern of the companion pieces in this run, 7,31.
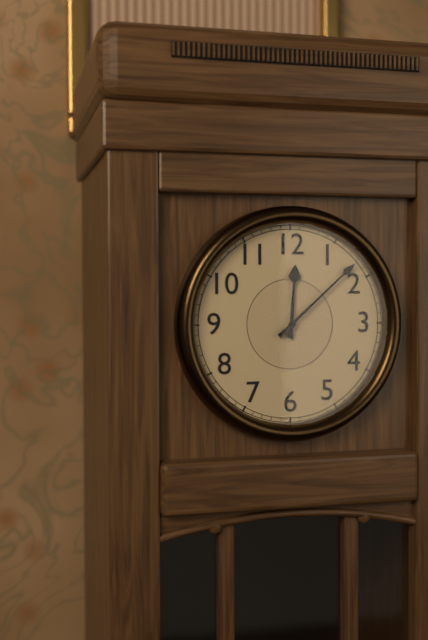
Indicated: 12,08
